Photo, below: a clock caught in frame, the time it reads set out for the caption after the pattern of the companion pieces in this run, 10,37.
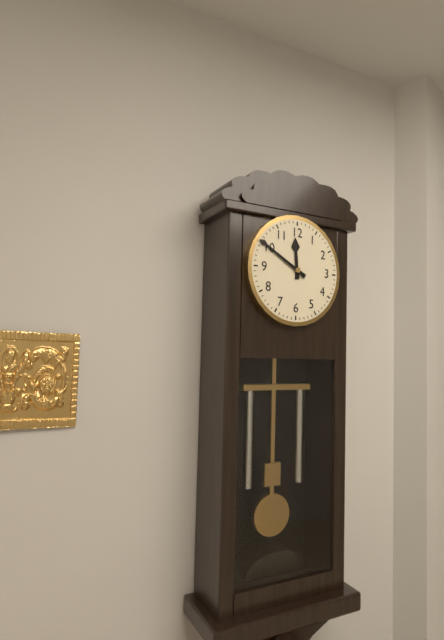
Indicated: 11,50
